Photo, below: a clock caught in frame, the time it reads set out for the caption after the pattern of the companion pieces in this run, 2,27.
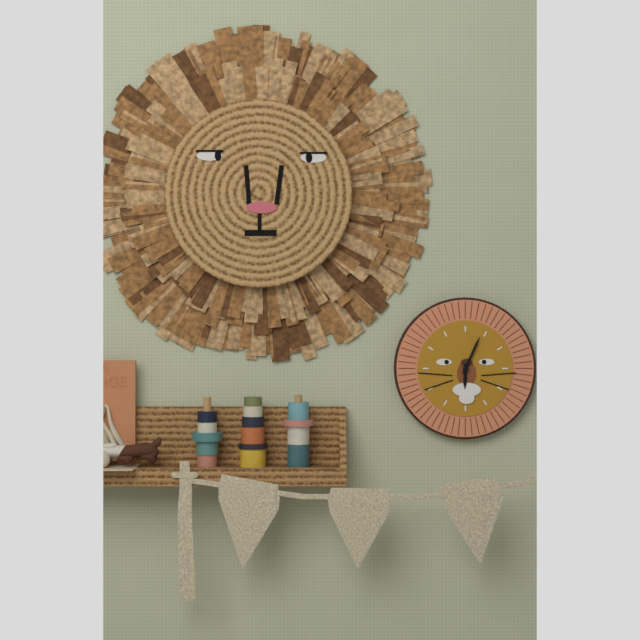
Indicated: 6,04
